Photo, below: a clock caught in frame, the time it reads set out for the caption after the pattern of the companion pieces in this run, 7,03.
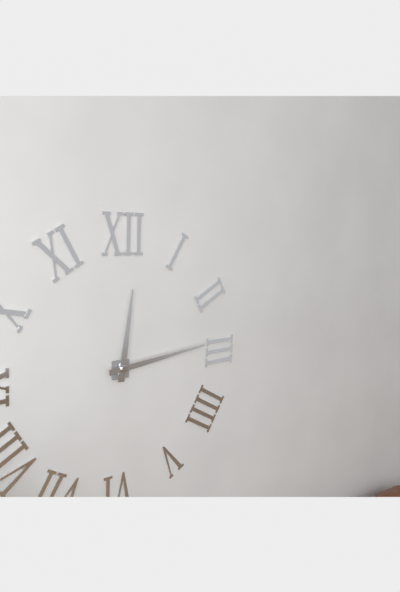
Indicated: 12,14
